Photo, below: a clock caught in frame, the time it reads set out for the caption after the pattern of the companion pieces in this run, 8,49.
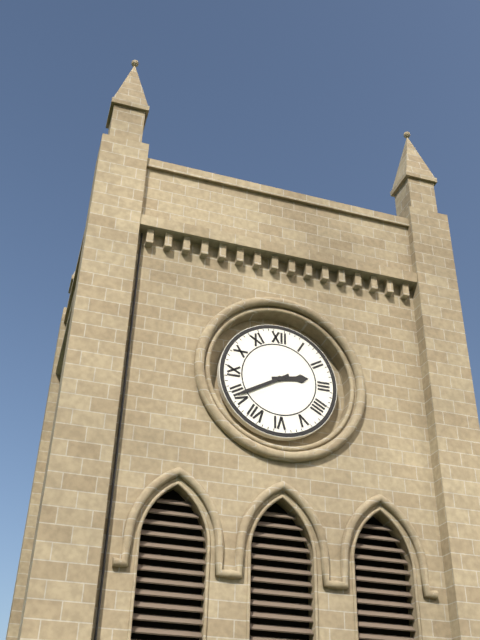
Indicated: 2,40
